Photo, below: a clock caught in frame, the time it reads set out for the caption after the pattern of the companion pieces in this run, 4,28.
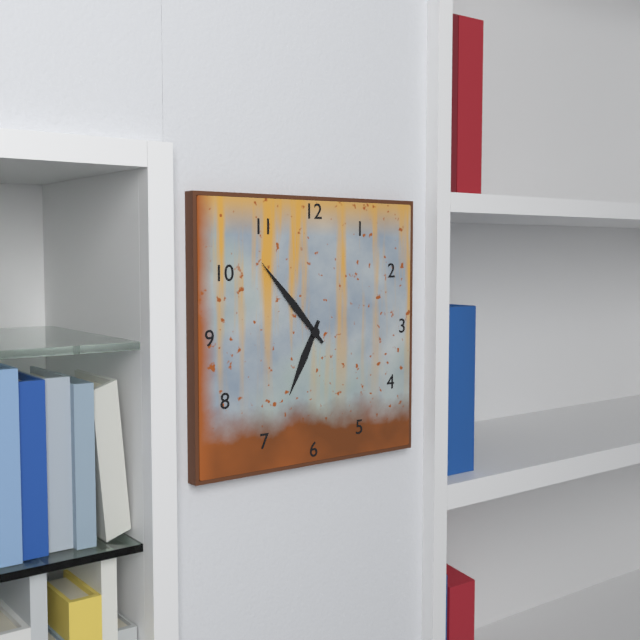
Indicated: 6,53
